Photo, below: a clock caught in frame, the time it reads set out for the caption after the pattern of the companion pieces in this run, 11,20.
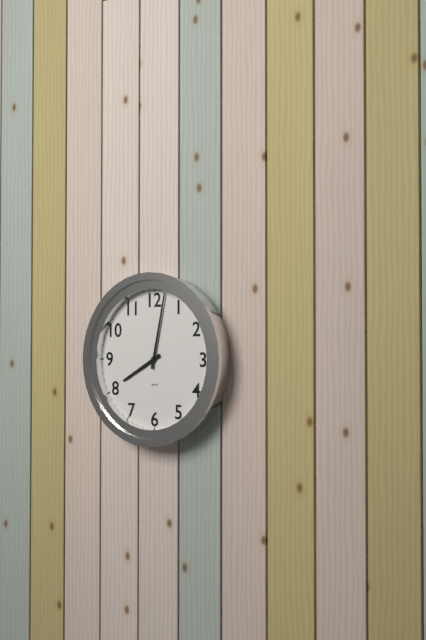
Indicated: 8,02
